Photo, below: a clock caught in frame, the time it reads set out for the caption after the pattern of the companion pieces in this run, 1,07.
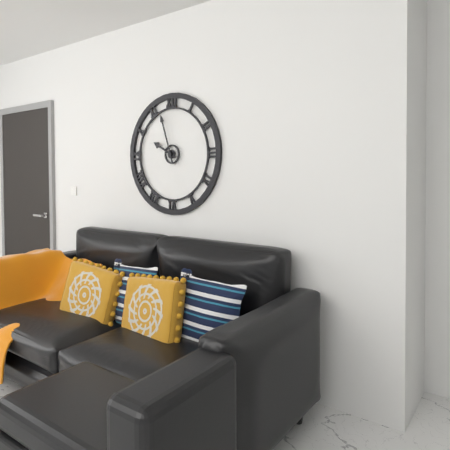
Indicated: 9,57
